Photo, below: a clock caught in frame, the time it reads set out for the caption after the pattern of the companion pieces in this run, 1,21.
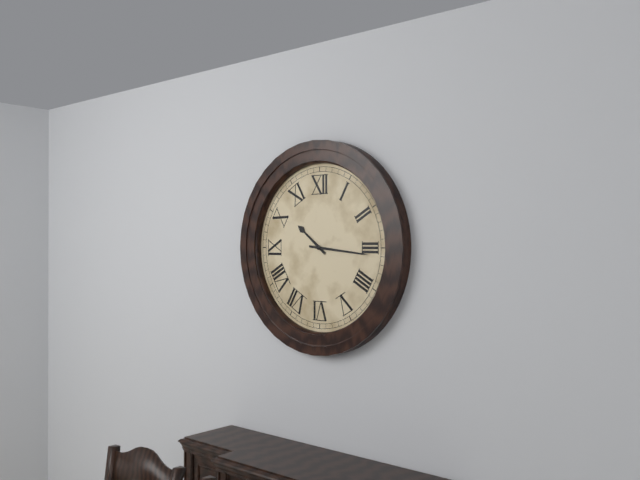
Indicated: 10,16
